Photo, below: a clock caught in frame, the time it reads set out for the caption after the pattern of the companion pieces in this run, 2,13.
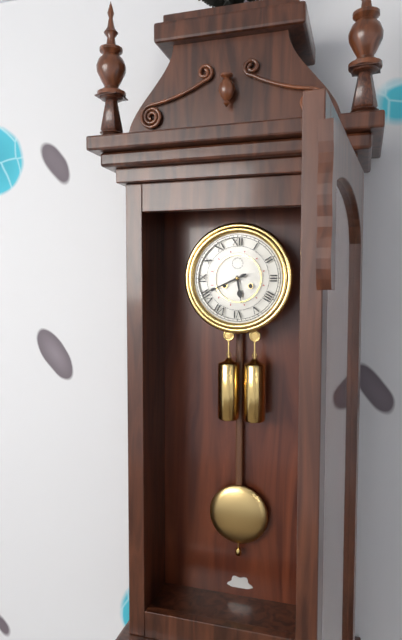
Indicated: 5,41
